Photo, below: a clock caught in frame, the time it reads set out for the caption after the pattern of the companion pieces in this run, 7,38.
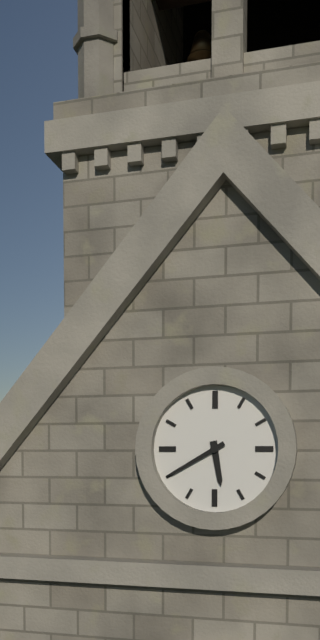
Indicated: 5,40
